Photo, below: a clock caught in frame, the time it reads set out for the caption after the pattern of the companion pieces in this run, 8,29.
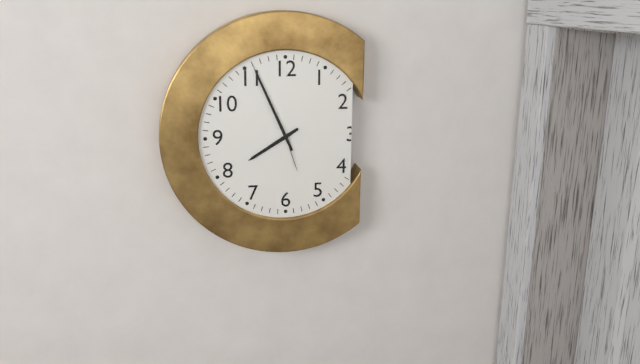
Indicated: 7,56
